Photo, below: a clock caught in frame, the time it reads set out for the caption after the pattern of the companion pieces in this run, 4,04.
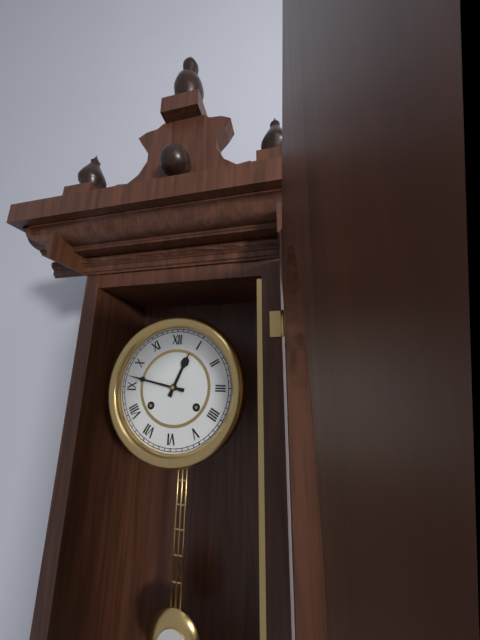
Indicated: 12,47
